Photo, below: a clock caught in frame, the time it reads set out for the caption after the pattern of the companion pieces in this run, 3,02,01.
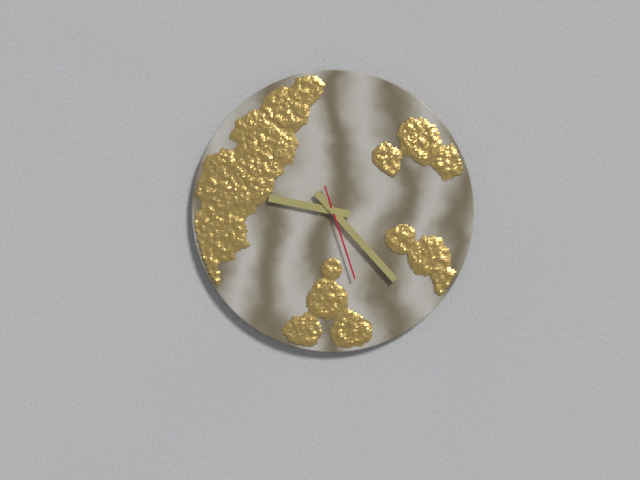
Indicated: 9,23,27
